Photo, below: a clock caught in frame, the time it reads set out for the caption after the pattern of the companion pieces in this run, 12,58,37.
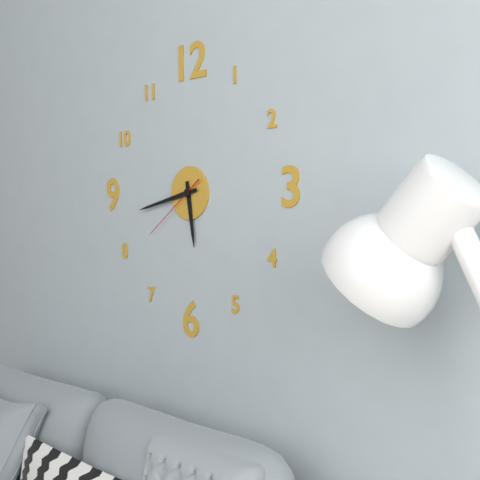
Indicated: 5,43,39
